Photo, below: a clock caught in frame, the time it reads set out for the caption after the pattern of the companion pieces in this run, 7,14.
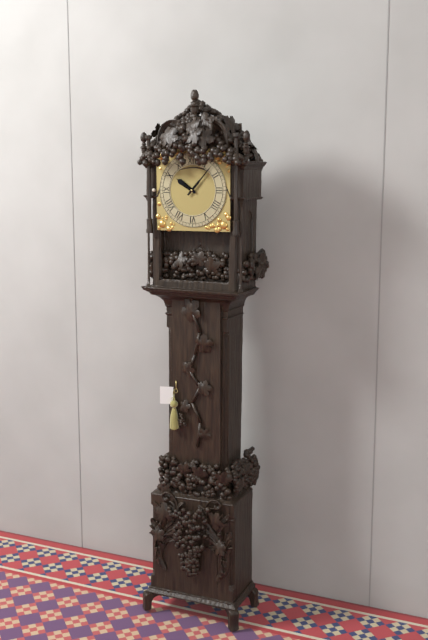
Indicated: 10,07
